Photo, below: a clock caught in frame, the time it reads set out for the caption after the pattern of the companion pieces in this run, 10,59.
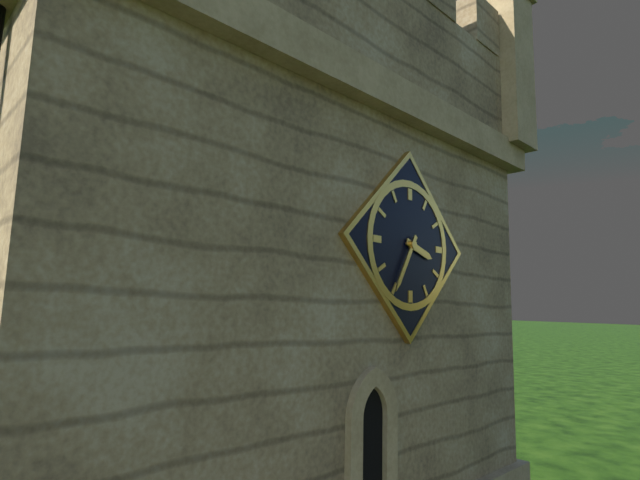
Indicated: 3,35
